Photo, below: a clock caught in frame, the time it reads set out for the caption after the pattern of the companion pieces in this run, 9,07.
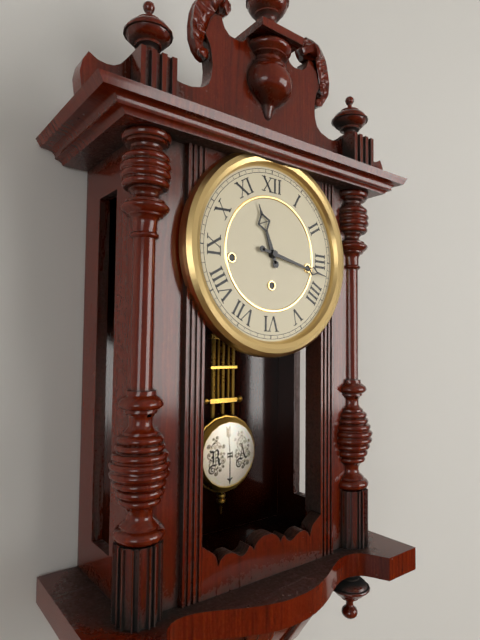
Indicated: 11,17
